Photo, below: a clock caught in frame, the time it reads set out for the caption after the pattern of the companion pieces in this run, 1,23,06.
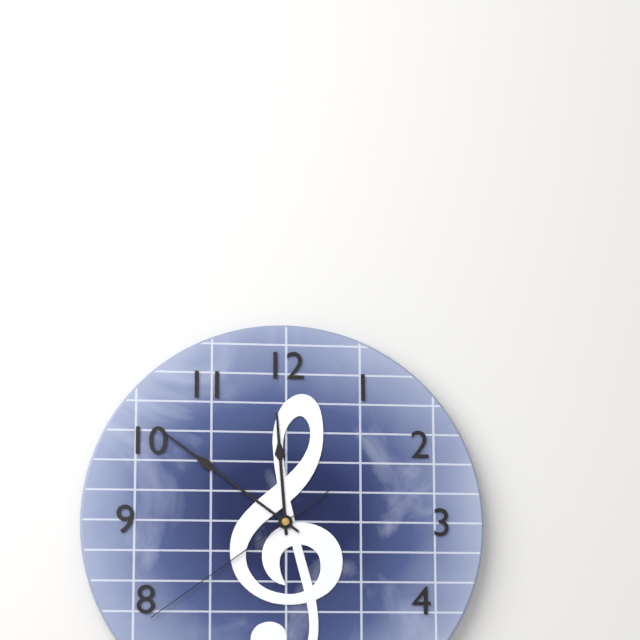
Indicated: 11,51,39
